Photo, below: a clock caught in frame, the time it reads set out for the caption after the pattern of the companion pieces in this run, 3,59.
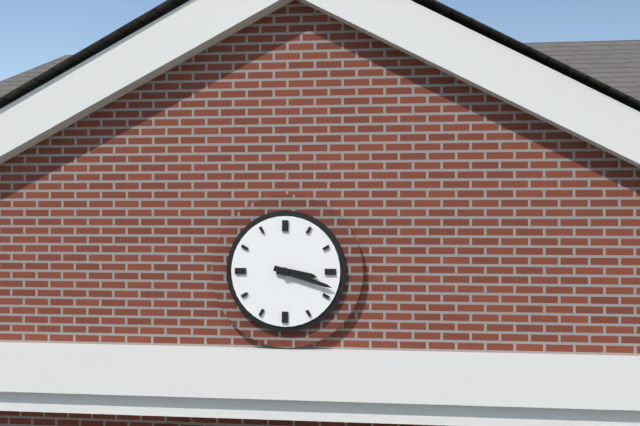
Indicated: 3,18
